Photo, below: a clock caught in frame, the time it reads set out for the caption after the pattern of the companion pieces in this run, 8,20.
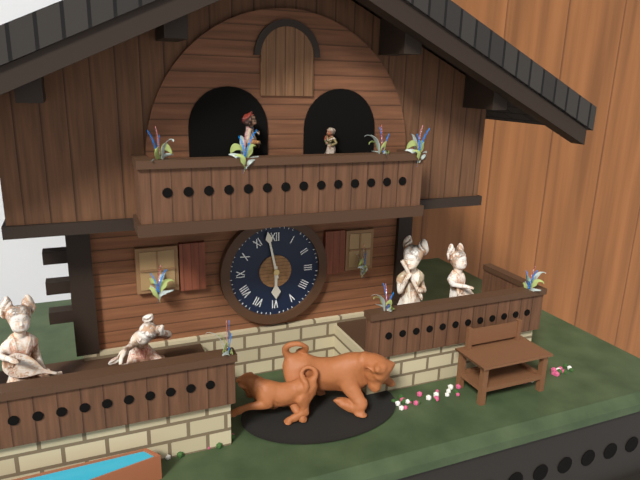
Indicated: 5,58
